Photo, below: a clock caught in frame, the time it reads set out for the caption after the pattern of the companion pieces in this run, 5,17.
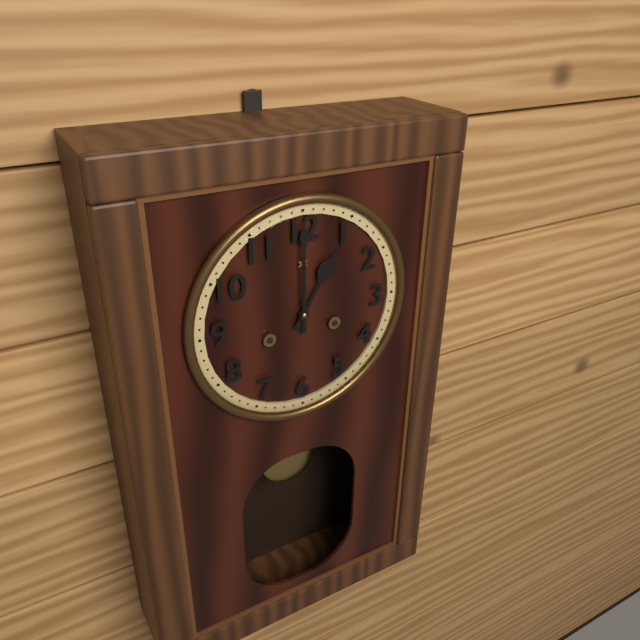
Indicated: 1,00
